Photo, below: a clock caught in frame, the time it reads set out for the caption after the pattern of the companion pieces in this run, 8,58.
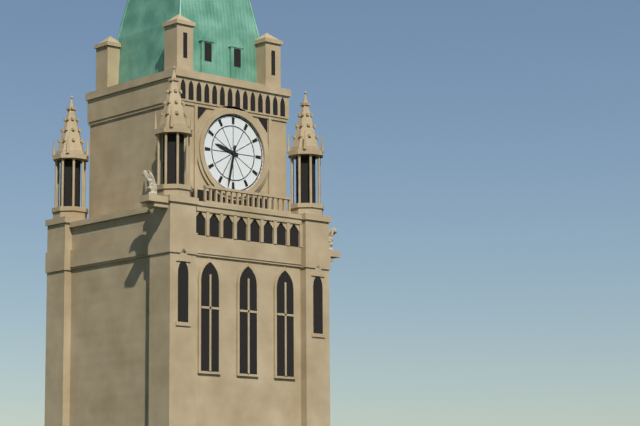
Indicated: 9,32
